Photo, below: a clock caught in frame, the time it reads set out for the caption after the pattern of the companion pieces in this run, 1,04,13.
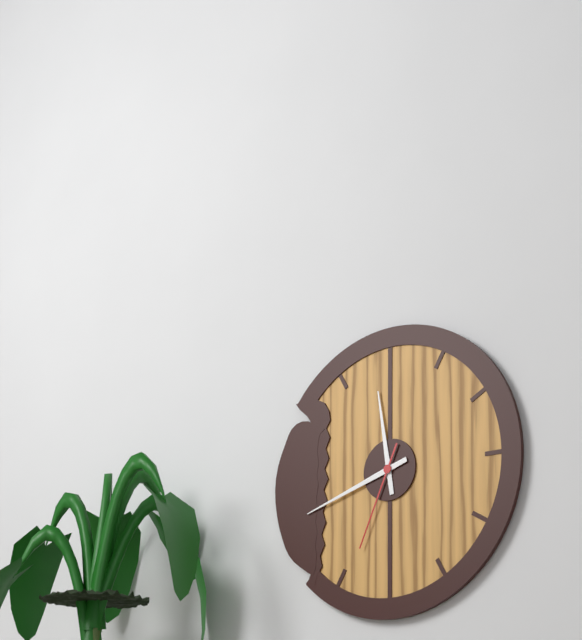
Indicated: 11,42,34
